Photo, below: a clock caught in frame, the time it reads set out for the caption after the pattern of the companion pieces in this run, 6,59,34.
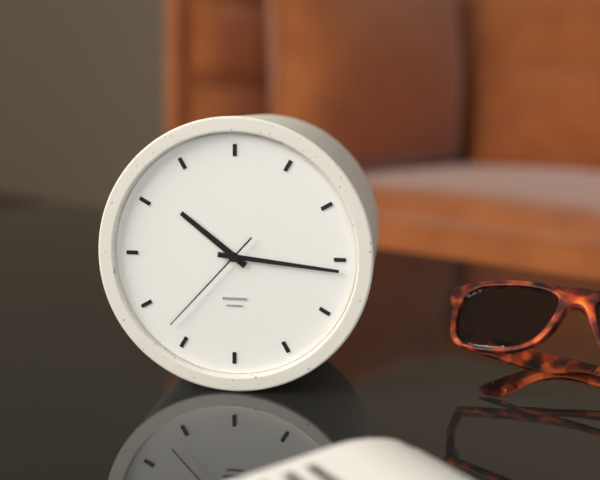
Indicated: 10,16,37
